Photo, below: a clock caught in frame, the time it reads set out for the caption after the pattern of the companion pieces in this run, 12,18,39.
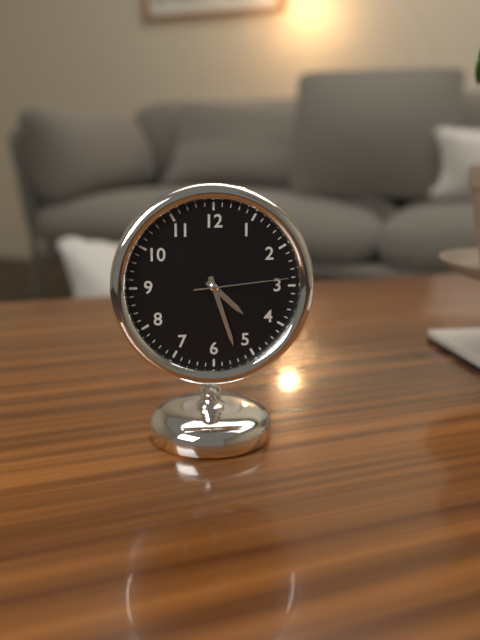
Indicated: 4,27,14
